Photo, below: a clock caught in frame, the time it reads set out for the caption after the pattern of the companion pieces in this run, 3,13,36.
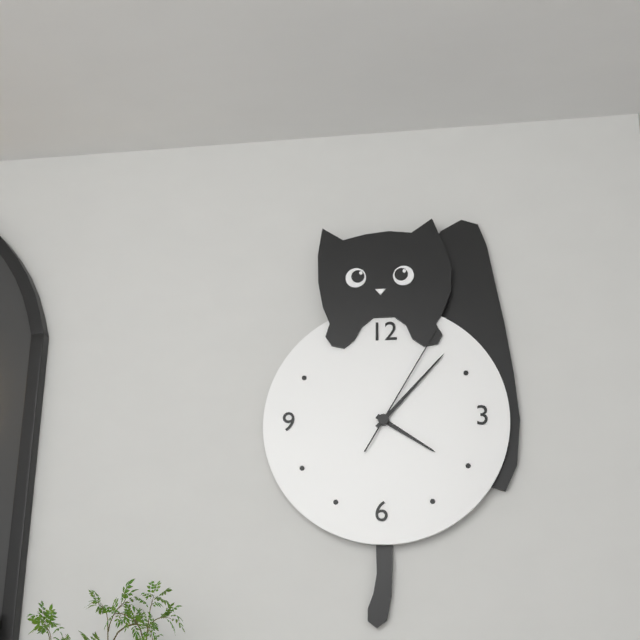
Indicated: 4,07,05
